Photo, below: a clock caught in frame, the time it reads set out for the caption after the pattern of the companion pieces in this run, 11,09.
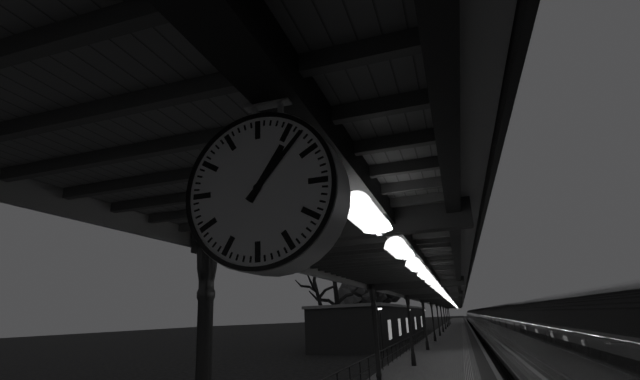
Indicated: 1,07
